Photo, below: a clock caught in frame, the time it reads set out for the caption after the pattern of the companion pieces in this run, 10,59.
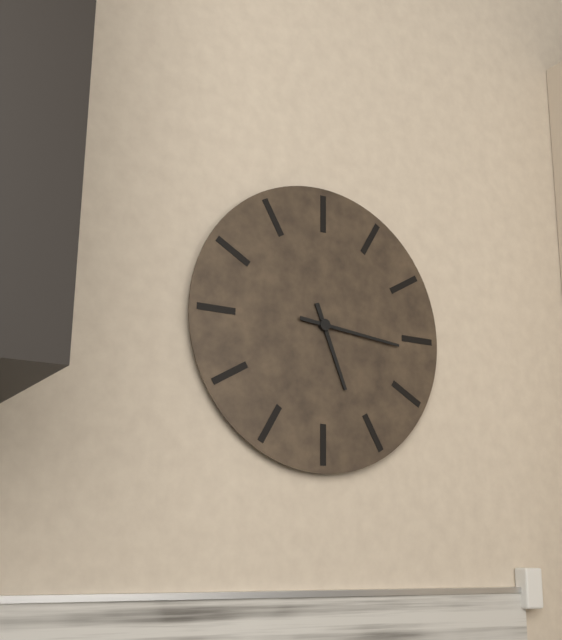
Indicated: 5,16
